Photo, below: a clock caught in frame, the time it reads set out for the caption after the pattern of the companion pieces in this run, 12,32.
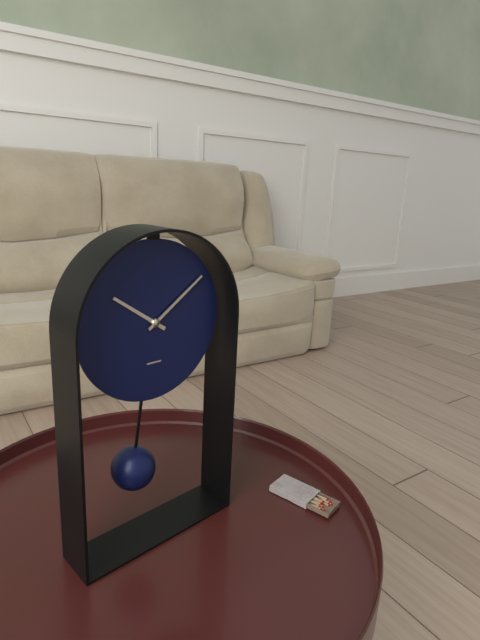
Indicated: 10,09
